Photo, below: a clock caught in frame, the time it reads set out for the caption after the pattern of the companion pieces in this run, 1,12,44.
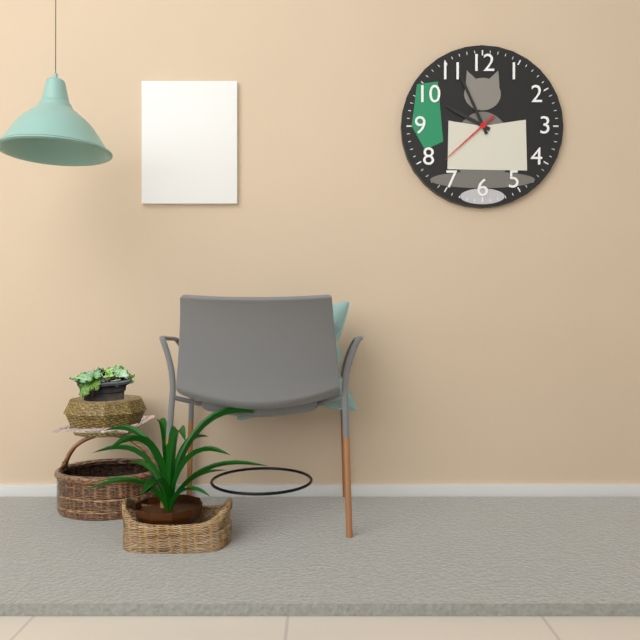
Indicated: 9,56,38
